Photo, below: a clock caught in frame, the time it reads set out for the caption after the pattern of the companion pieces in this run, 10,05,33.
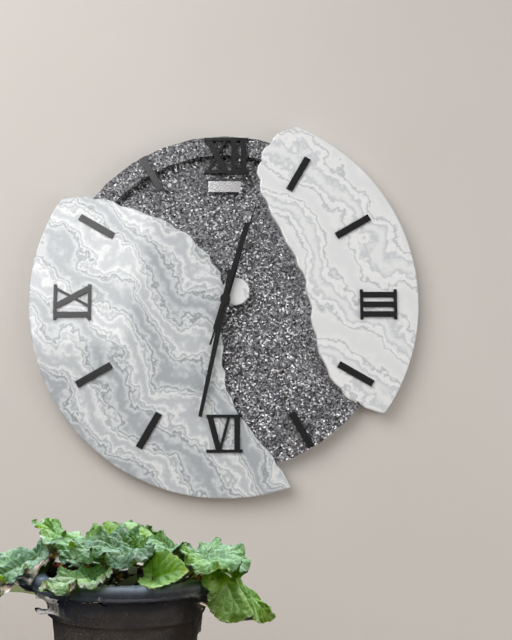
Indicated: 12,32,03
